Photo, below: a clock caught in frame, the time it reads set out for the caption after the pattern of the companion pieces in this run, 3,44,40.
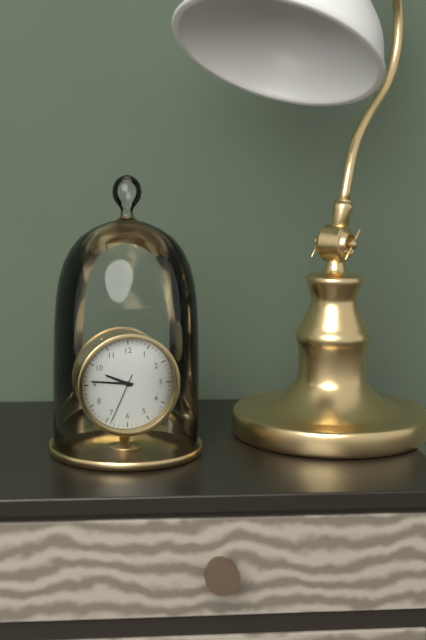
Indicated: 9,46,34
